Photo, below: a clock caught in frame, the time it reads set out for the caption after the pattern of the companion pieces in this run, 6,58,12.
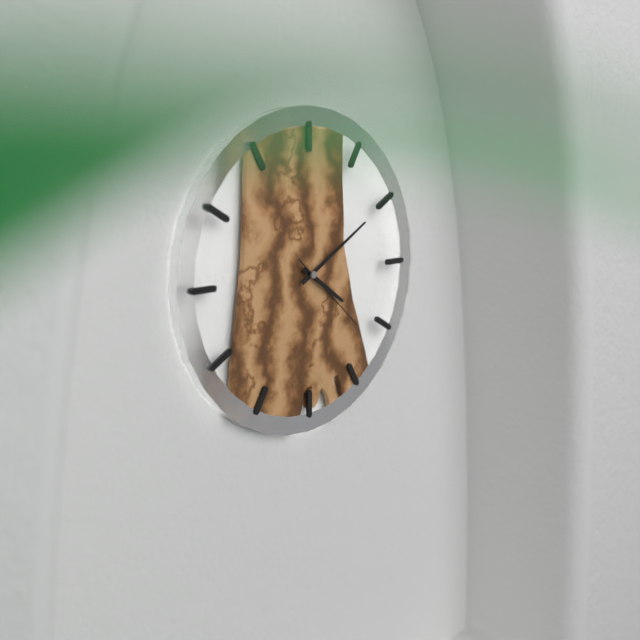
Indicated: 4,10,22
